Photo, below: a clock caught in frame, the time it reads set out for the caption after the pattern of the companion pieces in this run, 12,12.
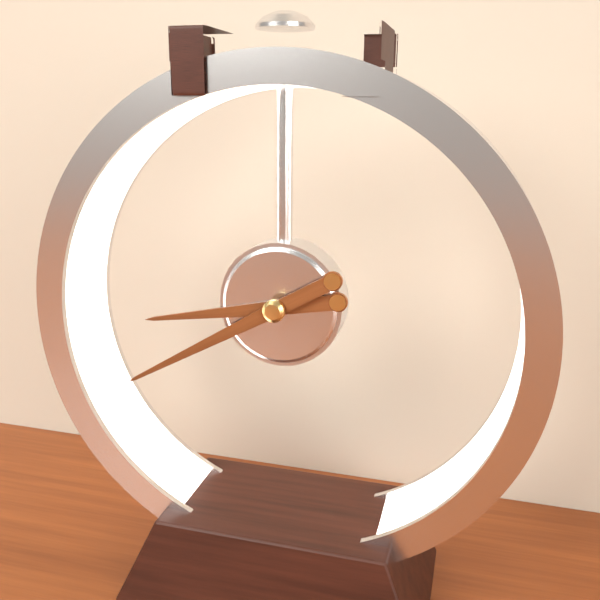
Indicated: 8,40
